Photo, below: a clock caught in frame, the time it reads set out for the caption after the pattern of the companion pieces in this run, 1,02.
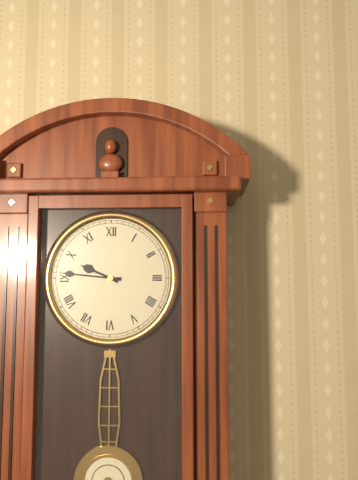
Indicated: 9,46
